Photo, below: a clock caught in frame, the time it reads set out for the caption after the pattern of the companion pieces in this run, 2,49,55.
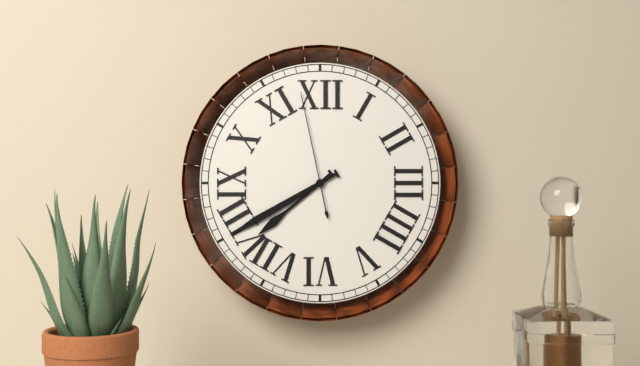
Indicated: 7,40,58
